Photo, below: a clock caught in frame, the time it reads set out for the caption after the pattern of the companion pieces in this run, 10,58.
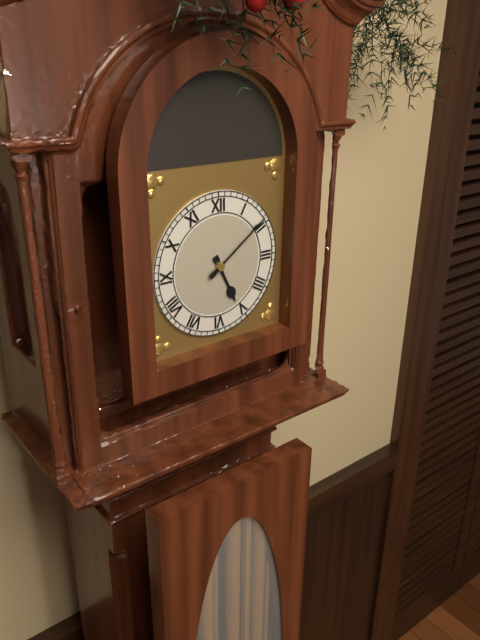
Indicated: 5,09
